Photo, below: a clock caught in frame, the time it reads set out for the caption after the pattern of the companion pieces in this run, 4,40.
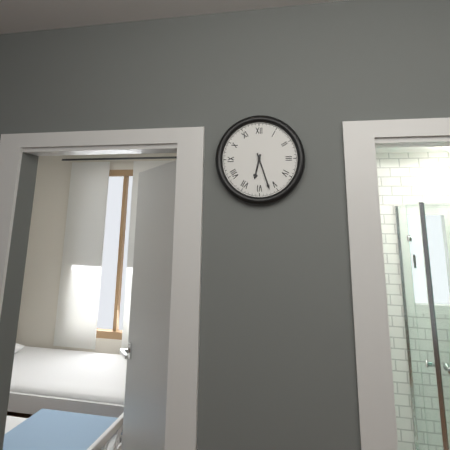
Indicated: 6,27
